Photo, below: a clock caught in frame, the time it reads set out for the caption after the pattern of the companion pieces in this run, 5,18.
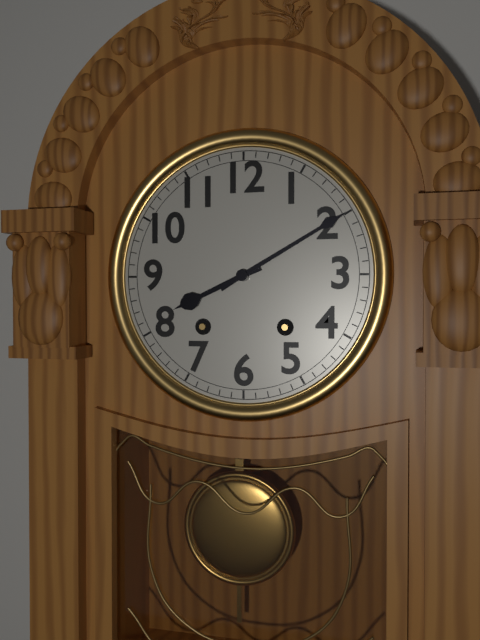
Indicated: 8,10
